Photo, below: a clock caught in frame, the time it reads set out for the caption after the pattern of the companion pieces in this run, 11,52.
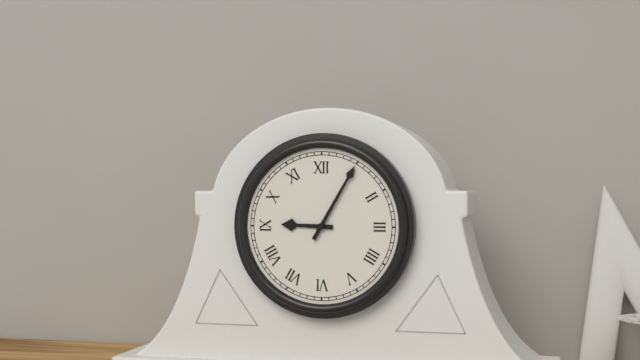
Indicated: 9,05
